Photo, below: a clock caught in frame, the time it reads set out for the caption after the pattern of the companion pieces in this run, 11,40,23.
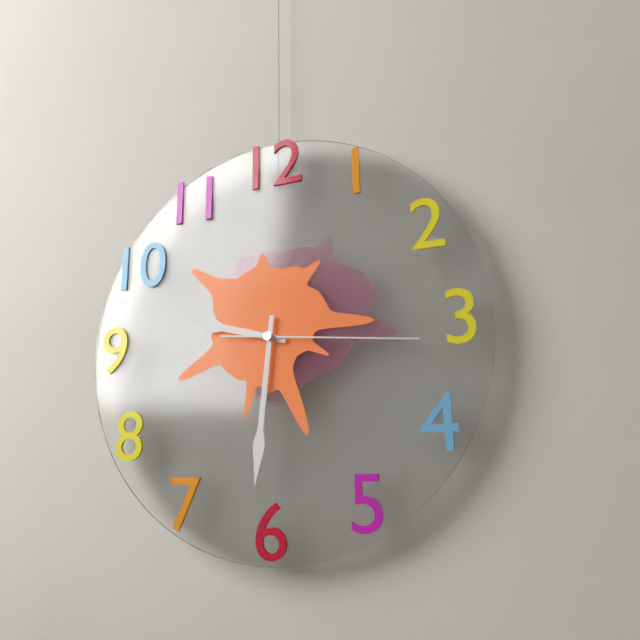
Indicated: 9,31,16
